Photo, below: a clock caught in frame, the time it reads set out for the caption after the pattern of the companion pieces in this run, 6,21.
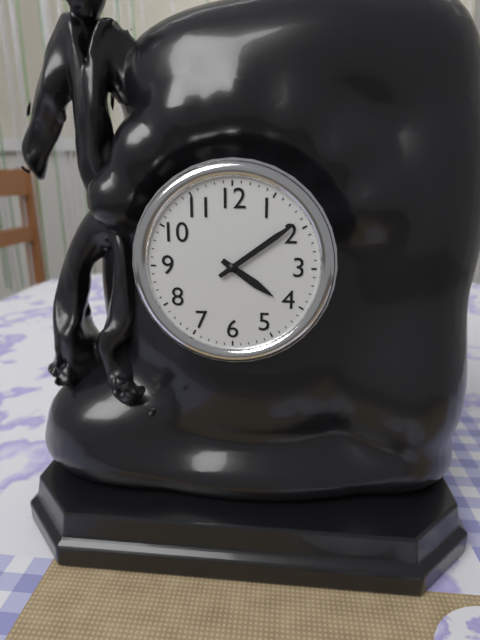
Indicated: 4,09
